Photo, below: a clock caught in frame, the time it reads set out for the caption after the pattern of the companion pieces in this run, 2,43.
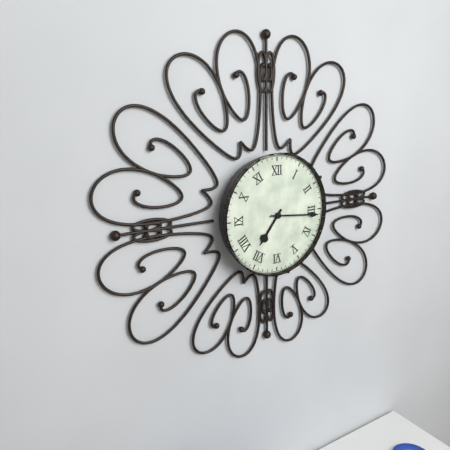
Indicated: 7,16
